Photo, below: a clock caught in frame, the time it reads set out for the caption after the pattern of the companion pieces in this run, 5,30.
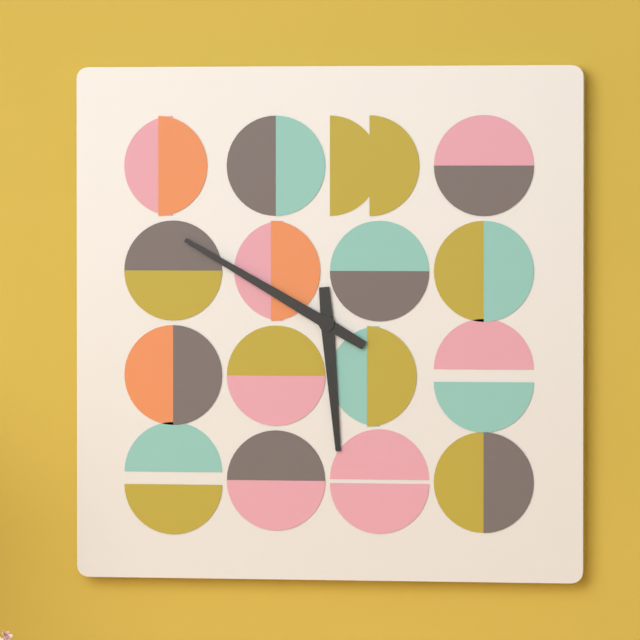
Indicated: 5,50
